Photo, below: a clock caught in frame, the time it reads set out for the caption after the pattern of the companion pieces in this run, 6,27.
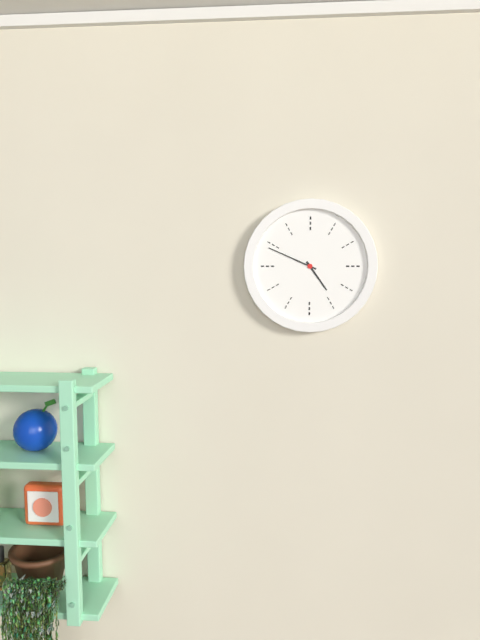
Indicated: 4,49
